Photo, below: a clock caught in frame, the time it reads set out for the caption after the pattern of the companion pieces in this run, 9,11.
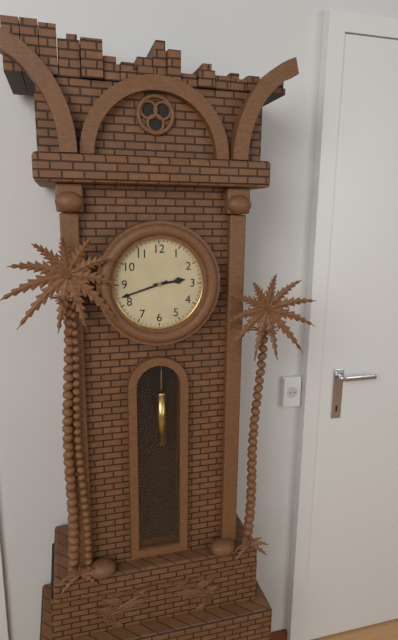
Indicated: 2,42
